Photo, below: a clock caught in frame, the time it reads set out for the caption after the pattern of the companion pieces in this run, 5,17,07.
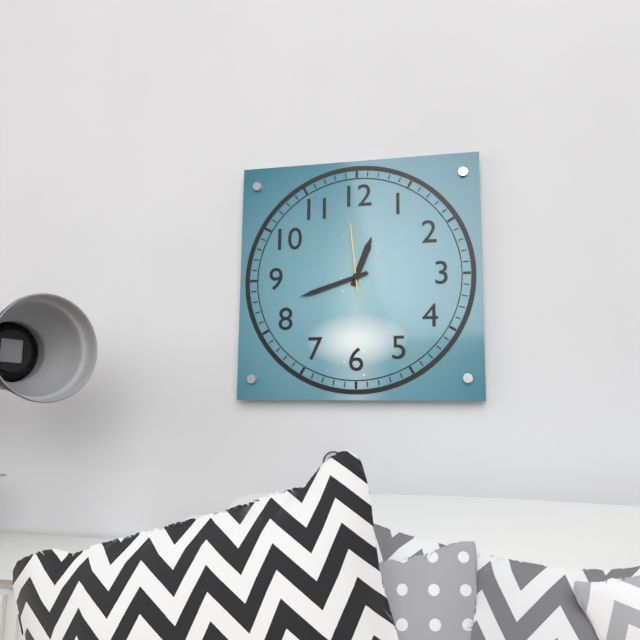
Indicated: 12,42,59
